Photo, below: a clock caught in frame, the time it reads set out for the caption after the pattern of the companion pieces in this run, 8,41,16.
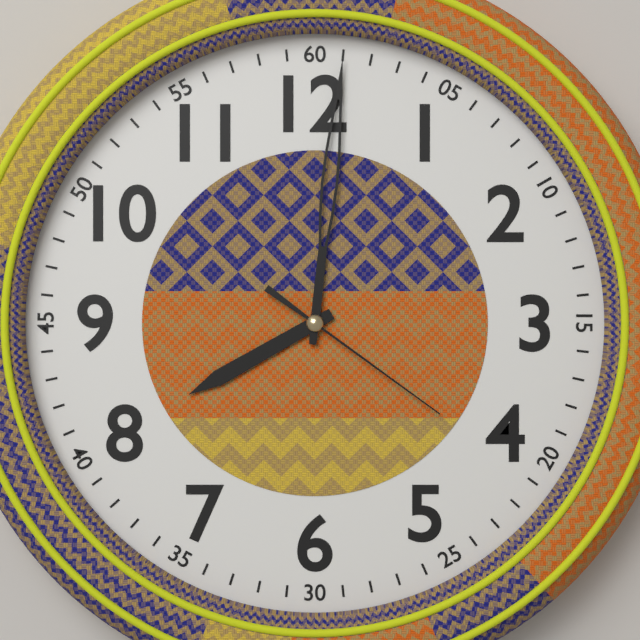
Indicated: 8,01,21
